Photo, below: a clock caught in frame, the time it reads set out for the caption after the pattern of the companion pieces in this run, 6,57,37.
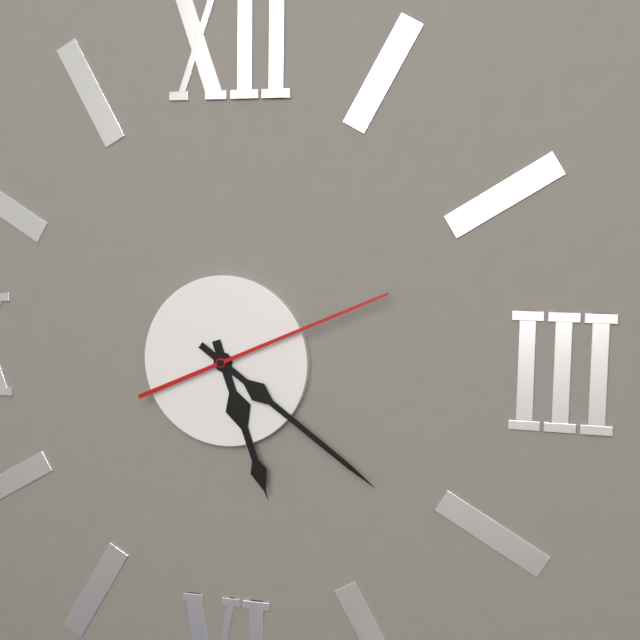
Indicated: 5,21,11
